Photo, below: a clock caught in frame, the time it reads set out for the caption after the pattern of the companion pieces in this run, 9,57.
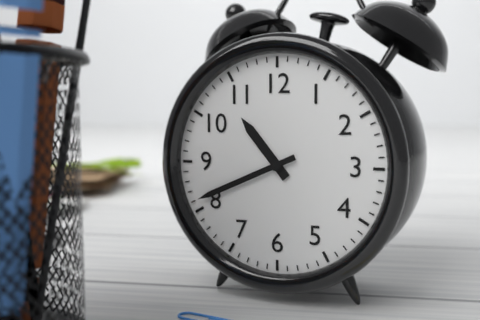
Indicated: 10,41
